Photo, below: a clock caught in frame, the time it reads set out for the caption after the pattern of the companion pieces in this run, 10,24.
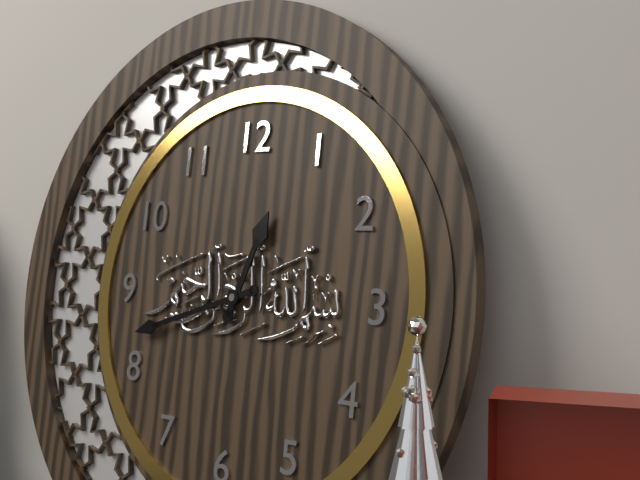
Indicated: 12,42
